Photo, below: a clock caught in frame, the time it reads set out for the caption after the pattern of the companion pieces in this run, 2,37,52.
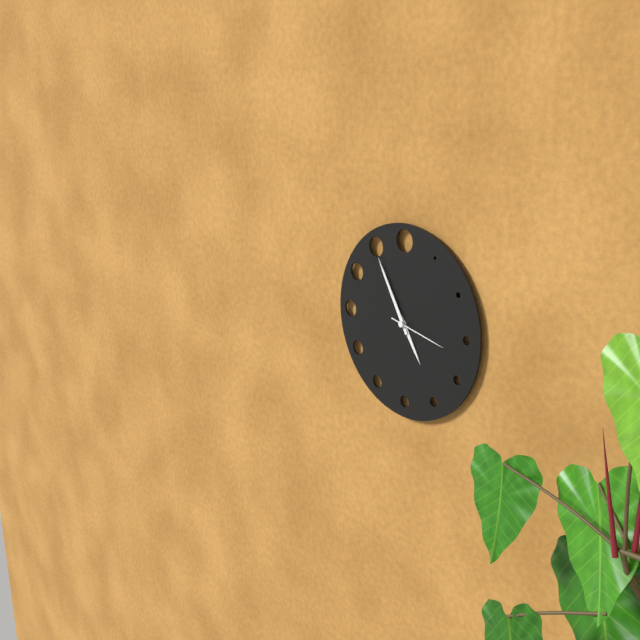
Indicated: 4,55,17
